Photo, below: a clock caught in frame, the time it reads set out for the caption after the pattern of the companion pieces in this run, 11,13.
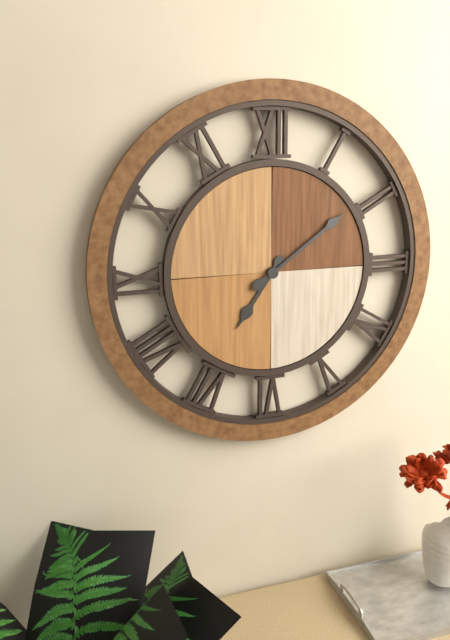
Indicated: 7,09
